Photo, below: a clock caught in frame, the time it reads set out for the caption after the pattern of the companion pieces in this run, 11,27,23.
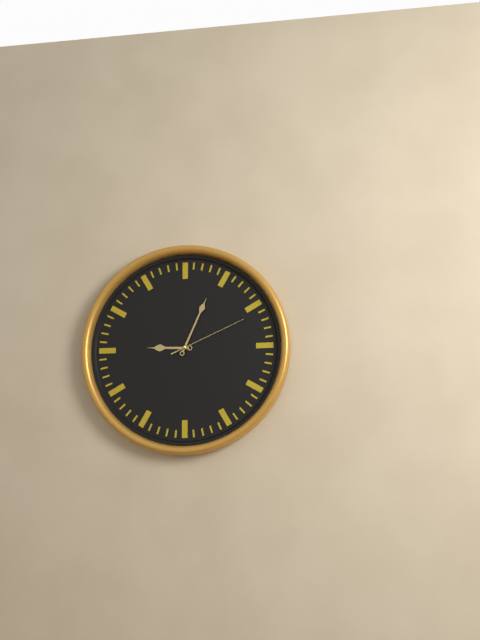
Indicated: 9,04,11
